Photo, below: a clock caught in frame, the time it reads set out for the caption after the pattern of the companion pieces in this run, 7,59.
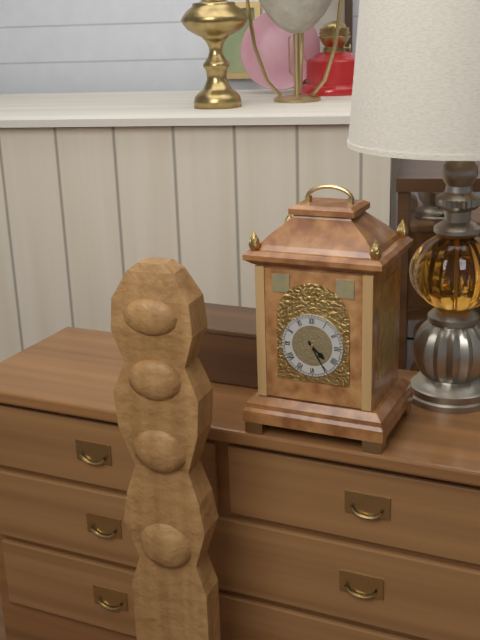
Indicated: 4,25
